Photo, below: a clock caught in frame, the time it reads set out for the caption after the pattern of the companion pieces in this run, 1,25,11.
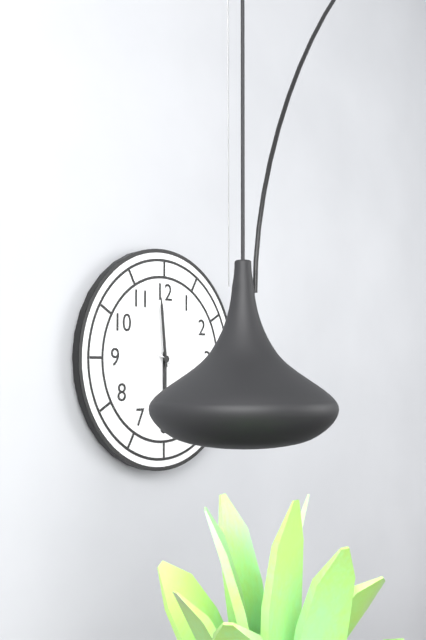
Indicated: 5,59,49
